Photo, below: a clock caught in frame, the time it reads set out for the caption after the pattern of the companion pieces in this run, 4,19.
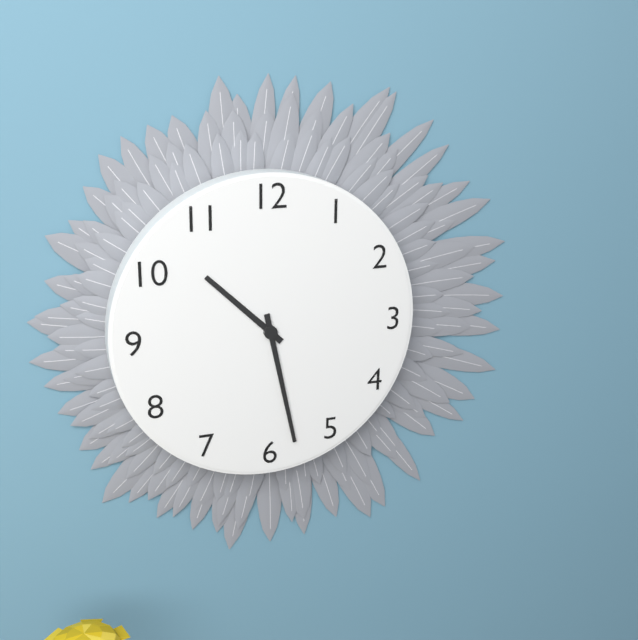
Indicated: 10,28
